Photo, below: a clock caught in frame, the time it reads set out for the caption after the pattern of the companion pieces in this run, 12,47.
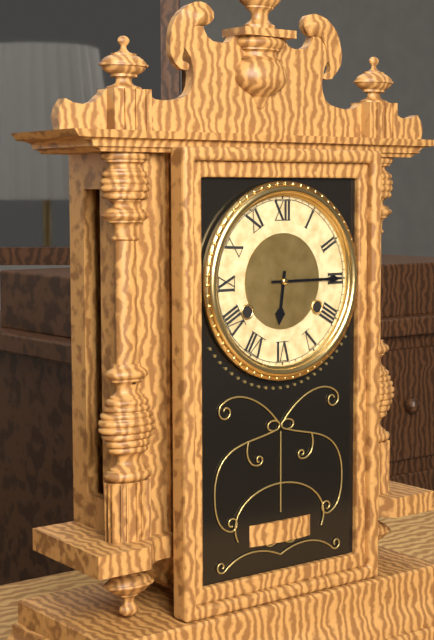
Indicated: 6,15
